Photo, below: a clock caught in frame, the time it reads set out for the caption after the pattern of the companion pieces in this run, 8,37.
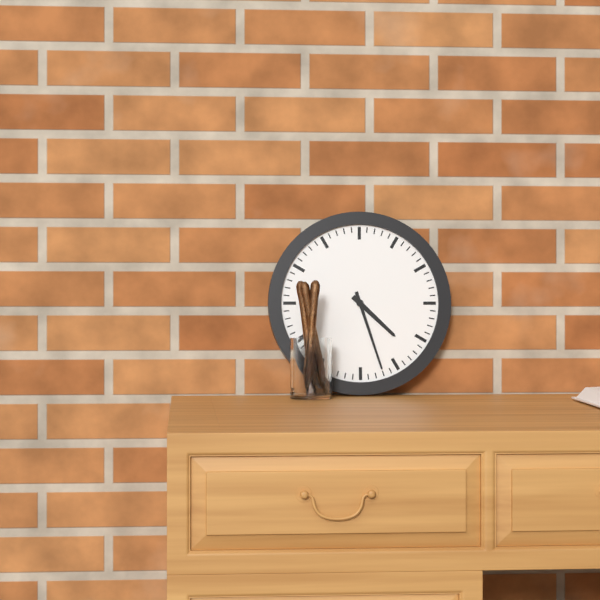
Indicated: 4,27
